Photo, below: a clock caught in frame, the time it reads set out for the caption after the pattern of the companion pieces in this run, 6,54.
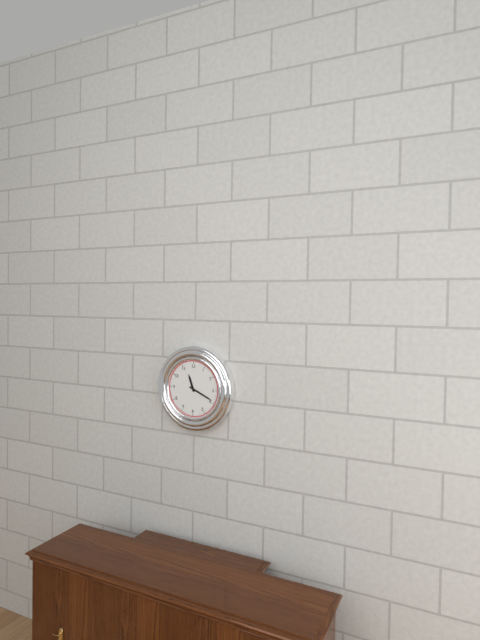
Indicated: 11,19
